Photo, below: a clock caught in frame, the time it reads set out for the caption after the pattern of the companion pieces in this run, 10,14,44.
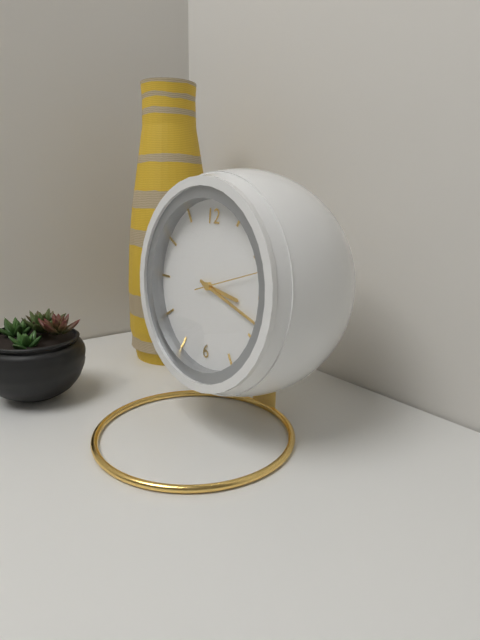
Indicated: 3,18,12
